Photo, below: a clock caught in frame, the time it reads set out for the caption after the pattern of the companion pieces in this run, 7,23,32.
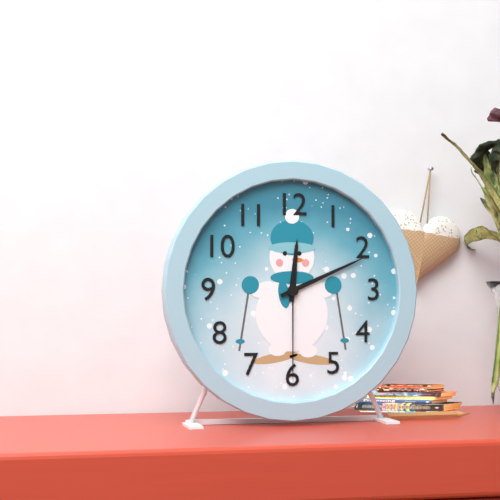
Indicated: 12,11,30
